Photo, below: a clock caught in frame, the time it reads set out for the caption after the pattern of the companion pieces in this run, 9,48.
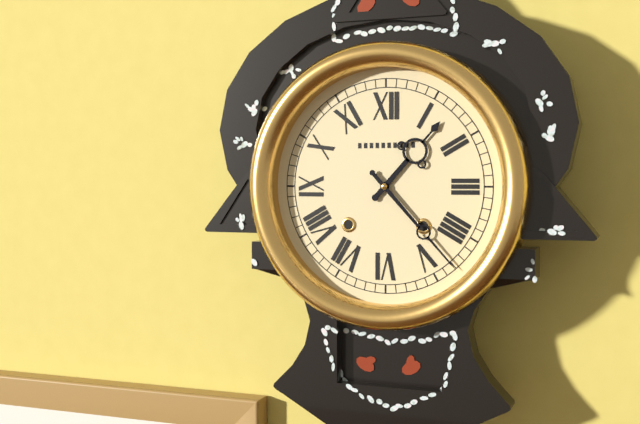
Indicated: 1,23
